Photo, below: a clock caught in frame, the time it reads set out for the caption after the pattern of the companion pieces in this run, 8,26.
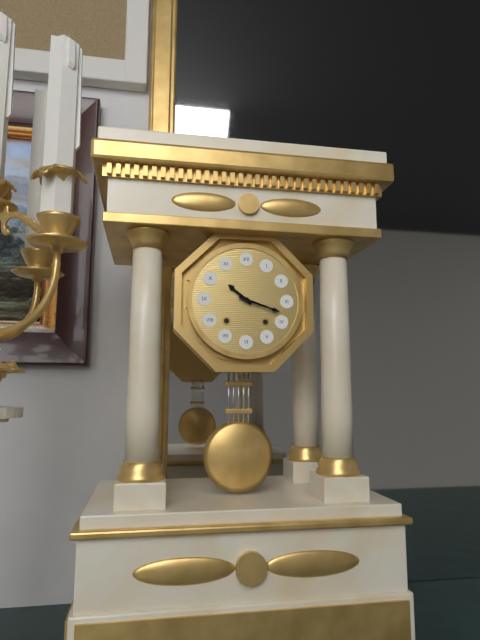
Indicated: 10,18
